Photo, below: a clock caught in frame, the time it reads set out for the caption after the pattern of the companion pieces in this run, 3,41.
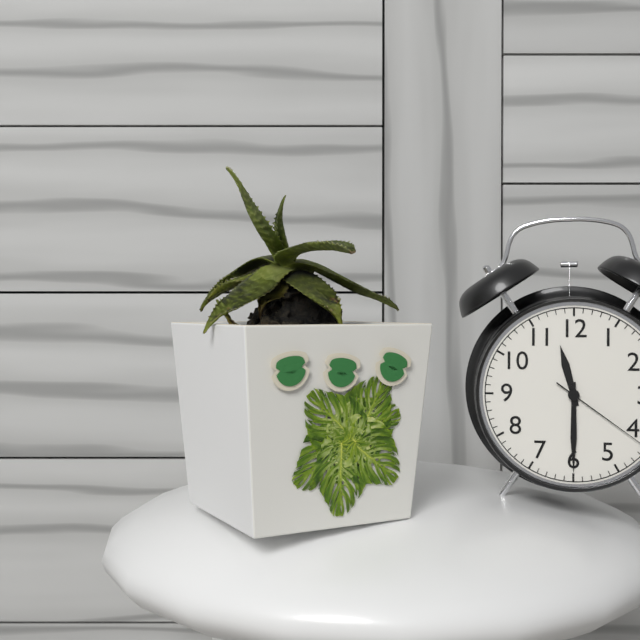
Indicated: 11,30
